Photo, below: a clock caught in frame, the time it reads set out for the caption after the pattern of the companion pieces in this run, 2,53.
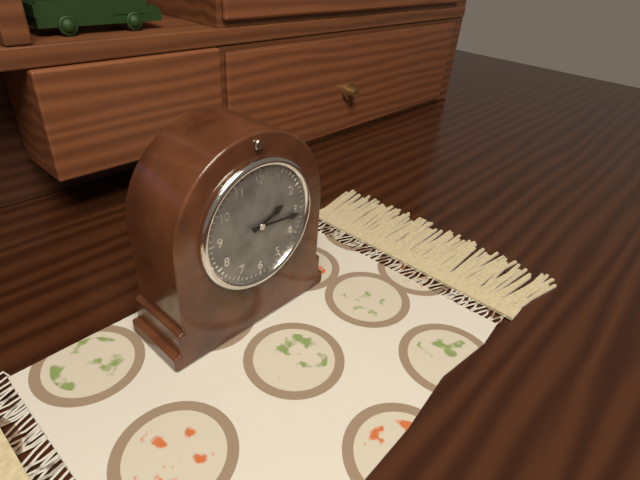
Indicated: 2,16
